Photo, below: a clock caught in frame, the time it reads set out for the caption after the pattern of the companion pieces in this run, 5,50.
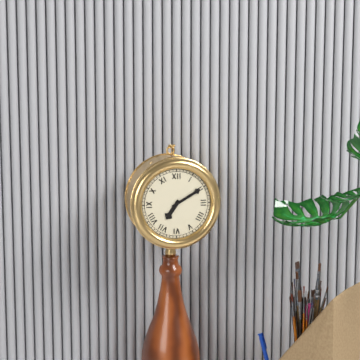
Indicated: 7,10
